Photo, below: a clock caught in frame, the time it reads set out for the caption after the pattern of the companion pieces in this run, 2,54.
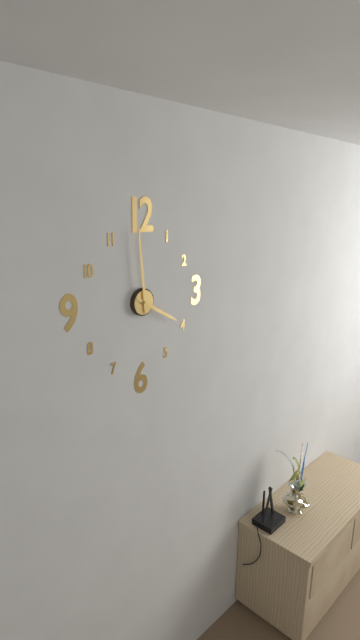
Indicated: 3,59
